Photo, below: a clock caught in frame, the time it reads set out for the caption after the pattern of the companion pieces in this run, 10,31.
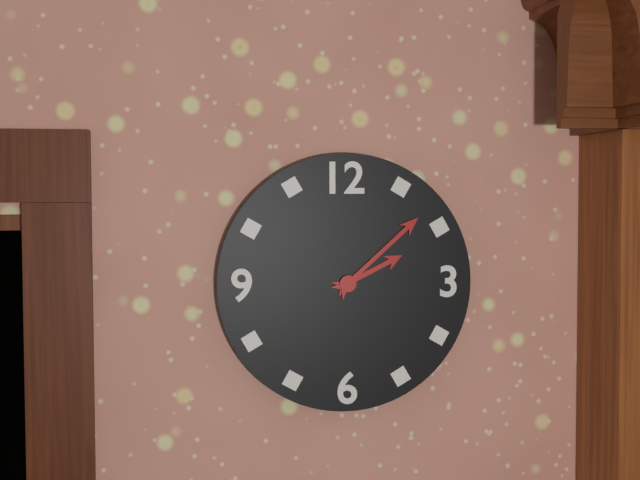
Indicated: 2,08
